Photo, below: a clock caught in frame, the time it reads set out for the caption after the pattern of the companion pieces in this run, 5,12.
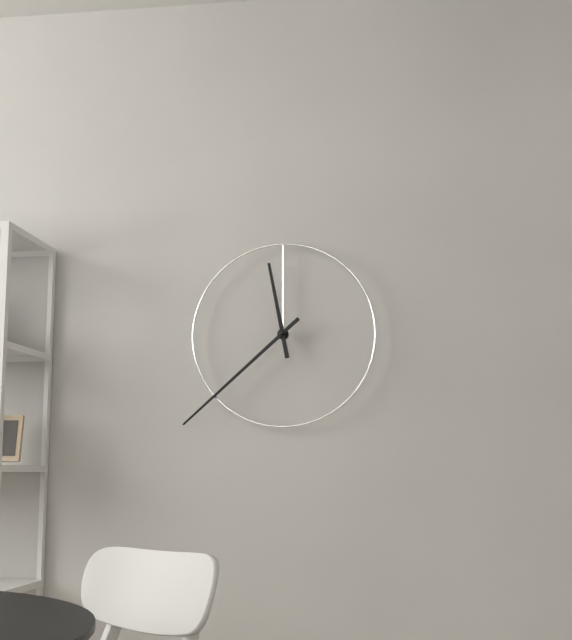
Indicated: 11,38
